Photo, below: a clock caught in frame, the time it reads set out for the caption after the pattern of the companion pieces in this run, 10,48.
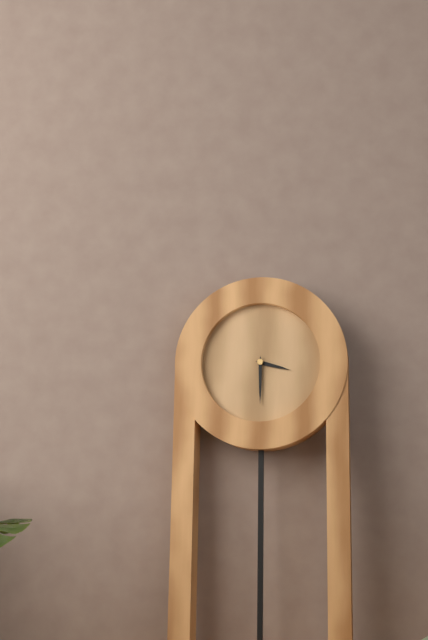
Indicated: 3,30
